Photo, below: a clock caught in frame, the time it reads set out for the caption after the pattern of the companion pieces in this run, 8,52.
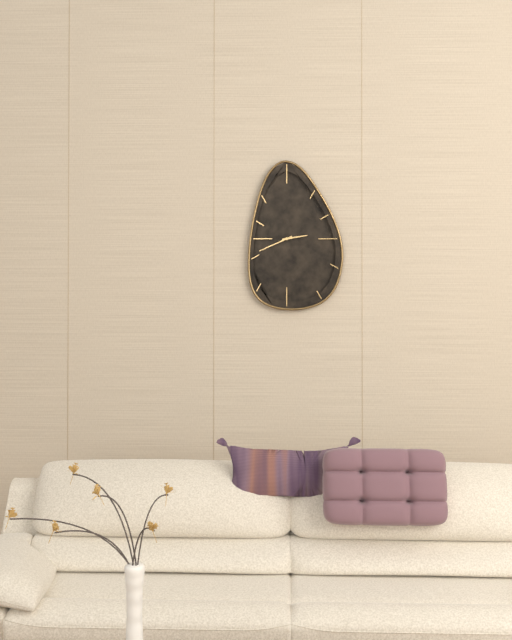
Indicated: 2,41
